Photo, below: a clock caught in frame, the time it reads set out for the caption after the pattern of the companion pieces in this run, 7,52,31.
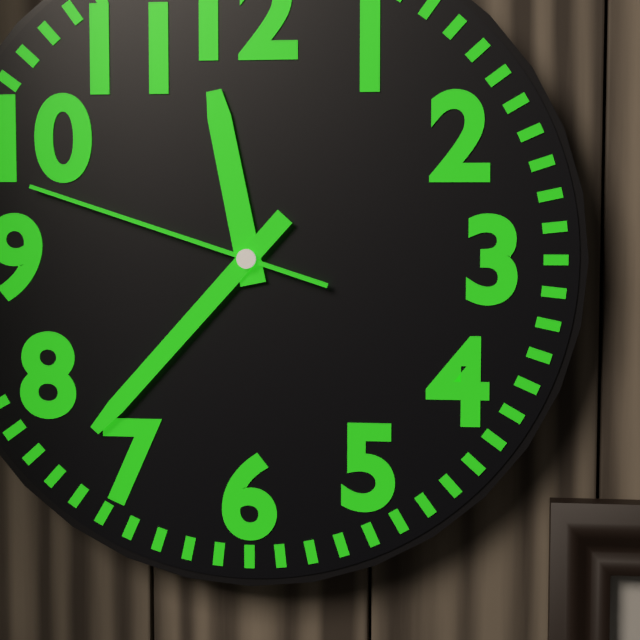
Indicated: 11,37,48
